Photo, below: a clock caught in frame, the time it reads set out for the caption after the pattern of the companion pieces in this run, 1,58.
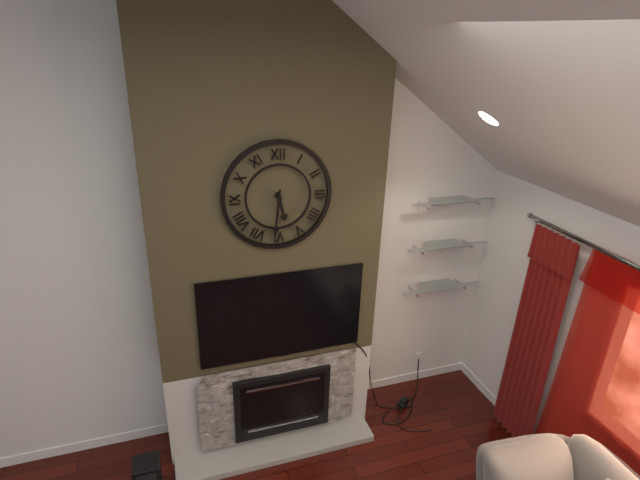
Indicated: 5,31
